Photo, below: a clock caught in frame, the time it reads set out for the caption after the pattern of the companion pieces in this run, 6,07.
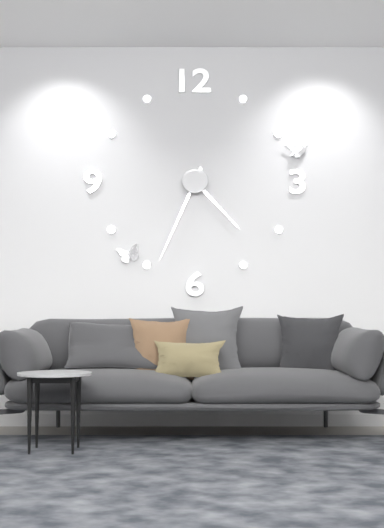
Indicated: 4,34
